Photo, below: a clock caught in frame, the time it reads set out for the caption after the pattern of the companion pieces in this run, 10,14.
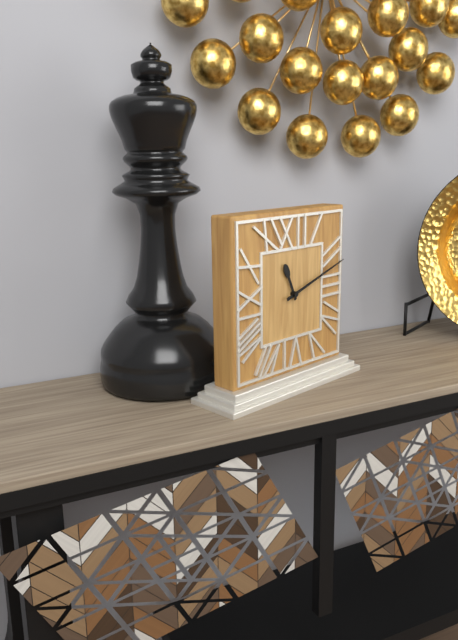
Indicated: 11,12
